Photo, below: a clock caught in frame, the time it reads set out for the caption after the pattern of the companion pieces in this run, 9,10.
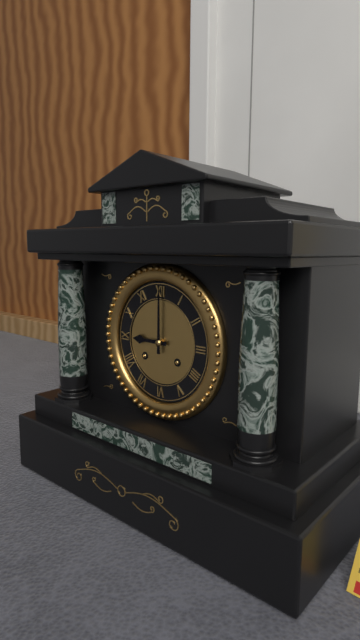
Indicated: 9,00
